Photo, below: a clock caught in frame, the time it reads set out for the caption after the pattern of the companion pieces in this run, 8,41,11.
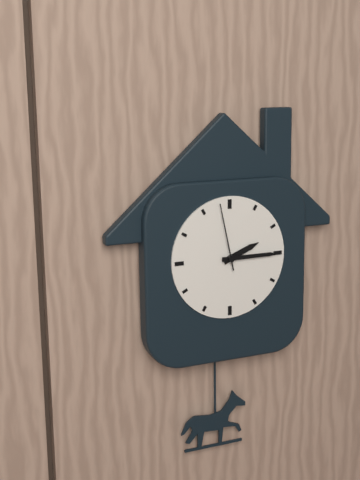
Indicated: 2,15,58
